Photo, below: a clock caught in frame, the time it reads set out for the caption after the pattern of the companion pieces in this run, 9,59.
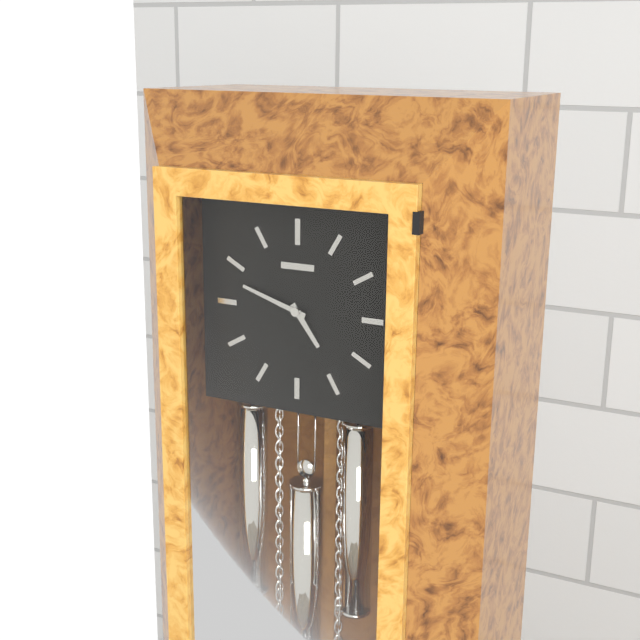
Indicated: 4,48
